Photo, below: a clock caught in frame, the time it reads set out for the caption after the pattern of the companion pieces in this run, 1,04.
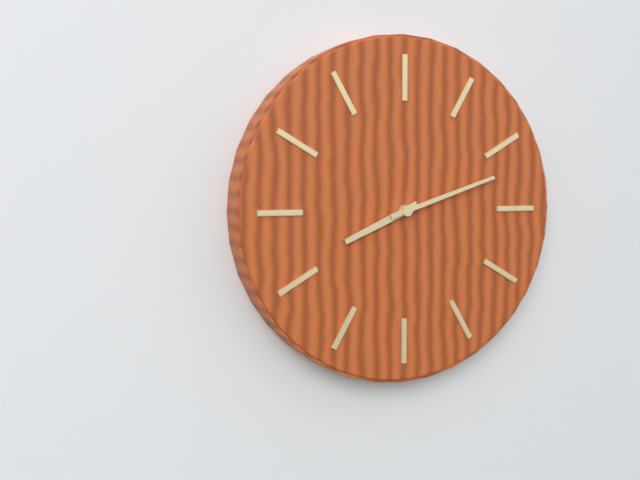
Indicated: 8,12
